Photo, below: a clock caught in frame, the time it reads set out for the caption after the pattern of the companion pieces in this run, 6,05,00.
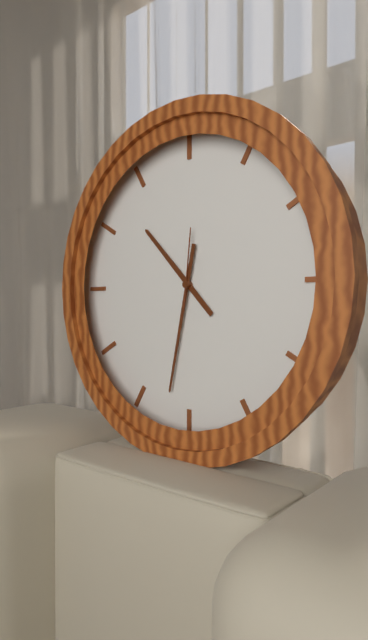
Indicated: 10,32,01
